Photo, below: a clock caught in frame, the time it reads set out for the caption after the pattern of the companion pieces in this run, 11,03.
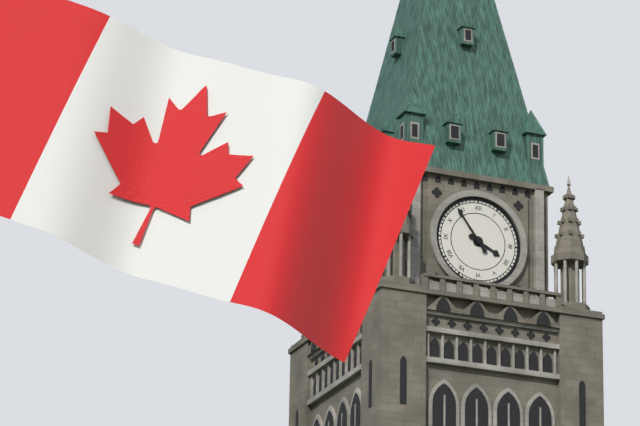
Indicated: 3,54
